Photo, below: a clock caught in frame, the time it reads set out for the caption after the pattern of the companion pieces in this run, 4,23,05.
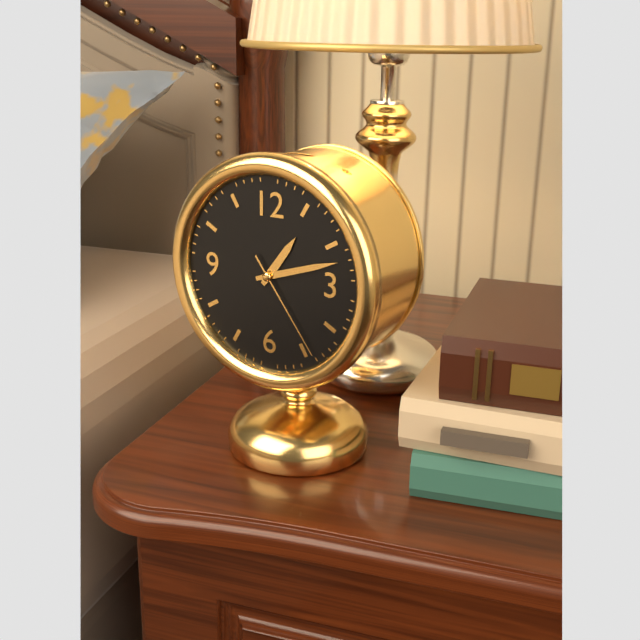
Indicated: 1,12,24
